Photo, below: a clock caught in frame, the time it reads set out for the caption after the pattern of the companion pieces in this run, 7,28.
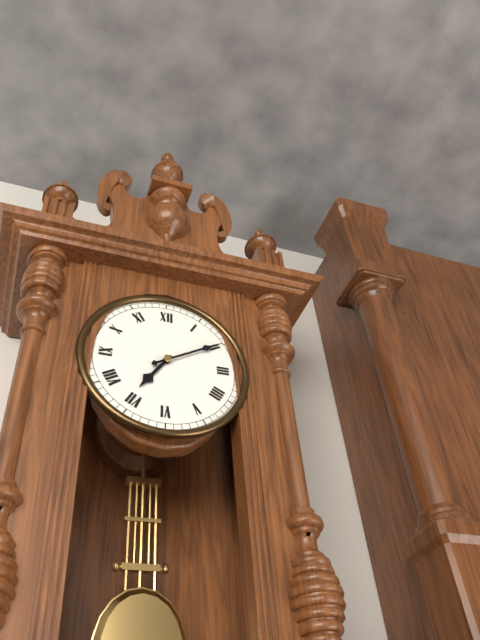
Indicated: 7,10
